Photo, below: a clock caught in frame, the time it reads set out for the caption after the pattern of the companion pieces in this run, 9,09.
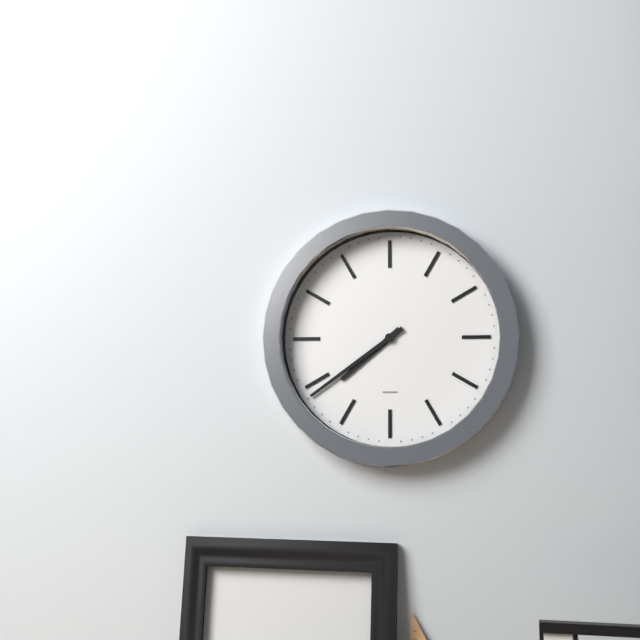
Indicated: 7,39
